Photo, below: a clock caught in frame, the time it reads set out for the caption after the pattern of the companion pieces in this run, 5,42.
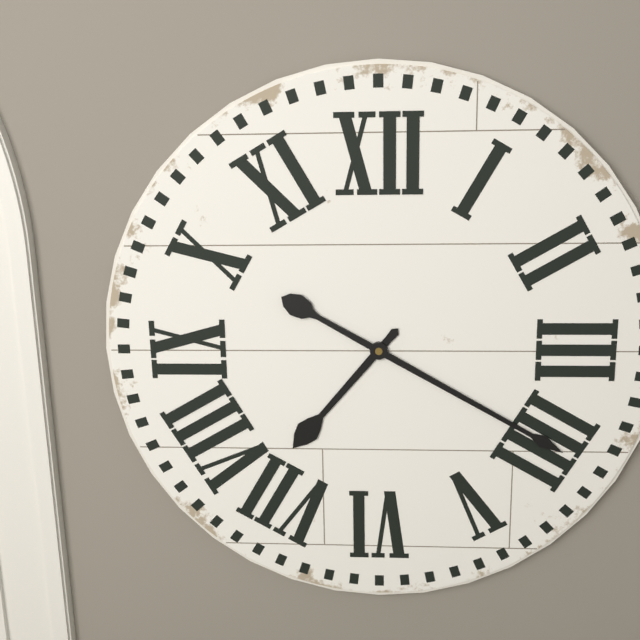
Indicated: 7,20
